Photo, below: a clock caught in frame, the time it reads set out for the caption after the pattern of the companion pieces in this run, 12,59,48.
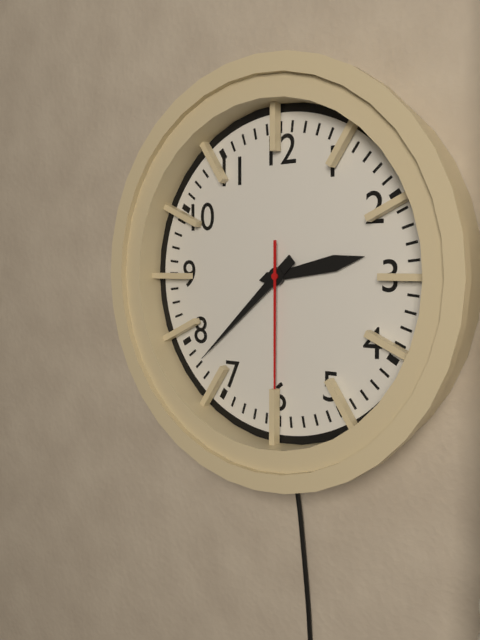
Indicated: 2,38,30
